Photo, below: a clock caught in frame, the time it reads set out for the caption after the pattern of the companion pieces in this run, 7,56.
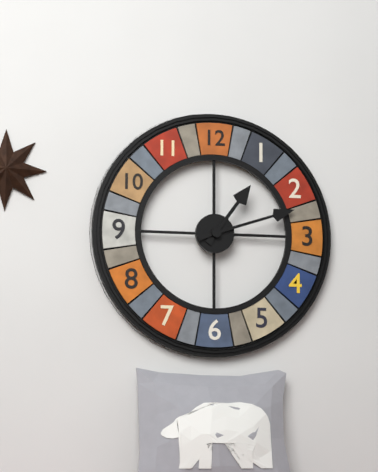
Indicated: 1,12
